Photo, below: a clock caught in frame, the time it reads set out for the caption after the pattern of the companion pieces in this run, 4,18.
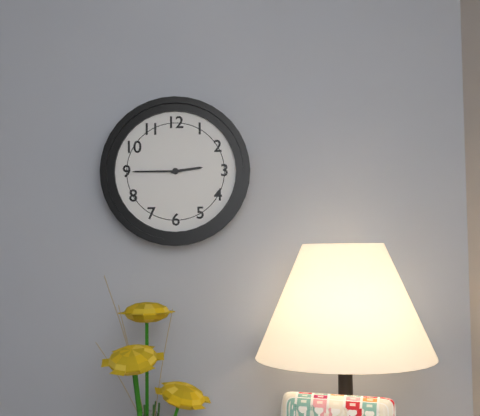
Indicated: 2,45
